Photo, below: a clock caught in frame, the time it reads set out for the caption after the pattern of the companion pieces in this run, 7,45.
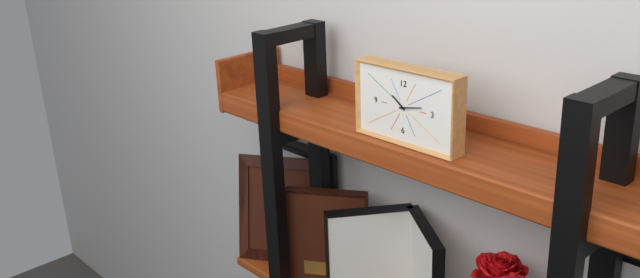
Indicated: 10,13
